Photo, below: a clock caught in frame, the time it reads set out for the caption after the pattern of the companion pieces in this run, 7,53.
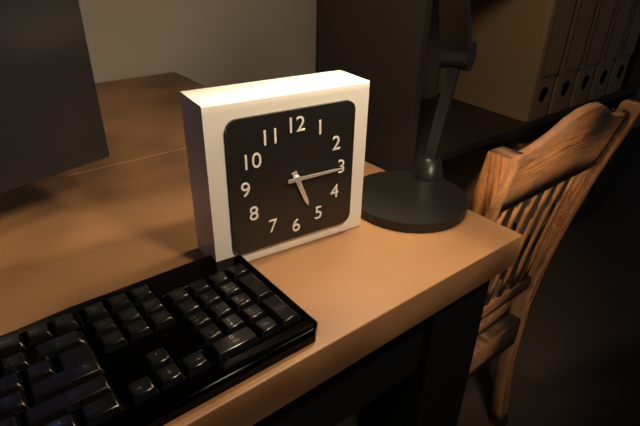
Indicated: 5,15
